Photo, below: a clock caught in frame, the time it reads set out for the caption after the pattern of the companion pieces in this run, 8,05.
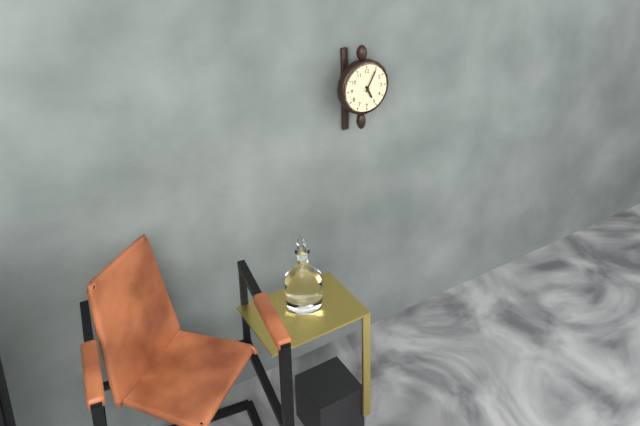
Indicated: 5,05
